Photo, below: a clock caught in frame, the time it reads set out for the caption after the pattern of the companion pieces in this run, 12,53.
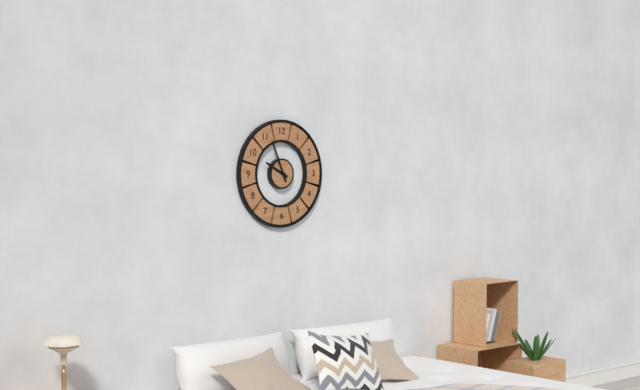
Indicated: 9,56
